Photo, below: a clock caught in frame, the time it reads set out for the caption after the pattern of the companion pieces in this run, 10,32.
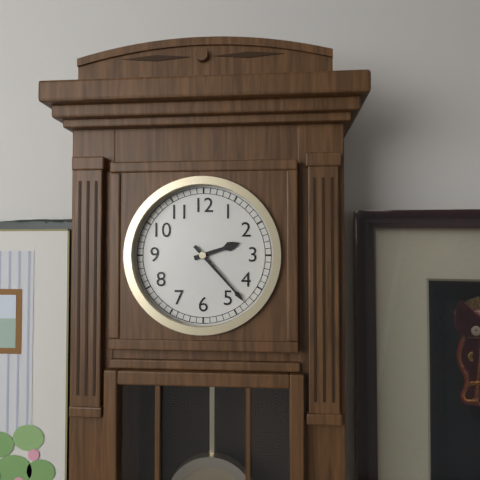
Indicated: 2,23
